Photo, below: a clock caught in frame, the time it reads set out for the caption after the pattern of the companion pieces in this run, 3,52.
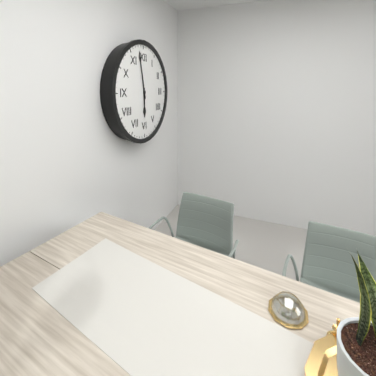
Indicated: 5,58
